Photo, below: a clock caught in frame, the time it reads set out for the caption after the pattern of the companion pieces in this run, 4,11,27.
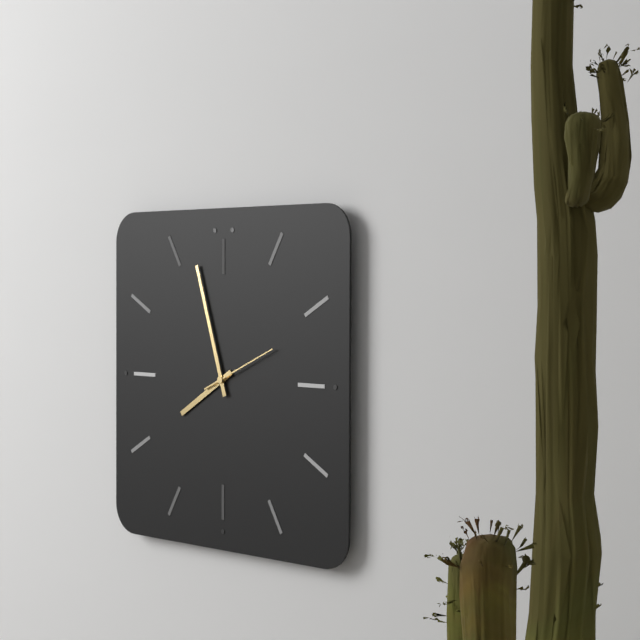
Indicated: 7,57,11
